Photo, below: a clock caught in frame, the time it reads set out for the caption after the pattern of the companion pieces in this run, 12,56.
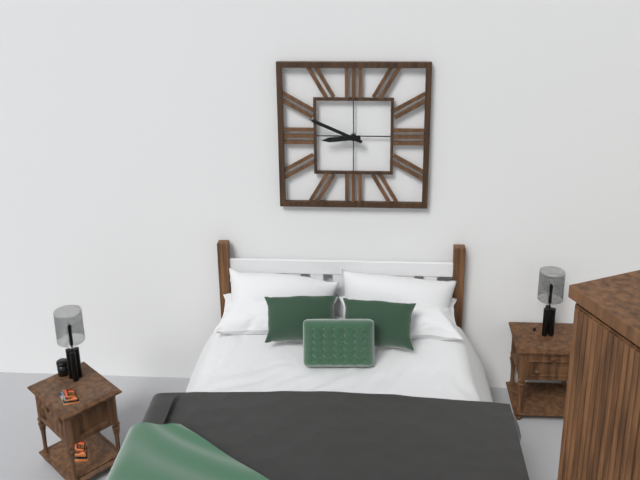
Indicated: 8,49
